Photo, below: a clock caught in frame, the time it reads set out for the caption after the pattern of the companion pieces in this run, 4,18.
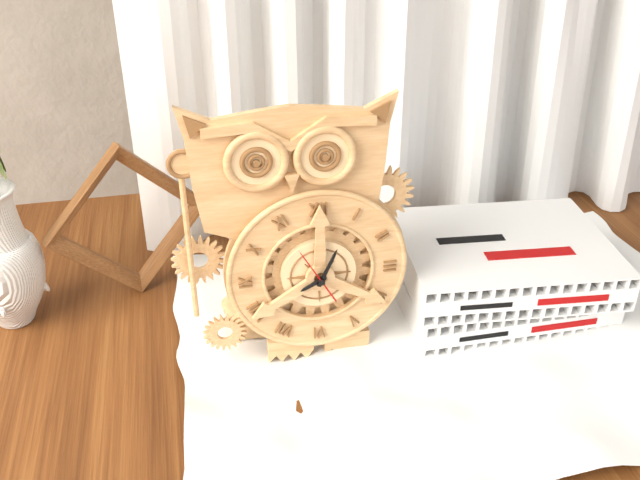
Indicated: 8,04
